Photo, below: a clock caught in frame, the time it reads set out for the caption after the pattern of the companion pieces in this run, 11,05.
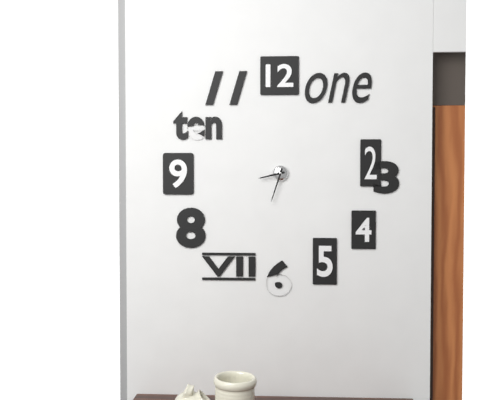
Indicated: 8,33
